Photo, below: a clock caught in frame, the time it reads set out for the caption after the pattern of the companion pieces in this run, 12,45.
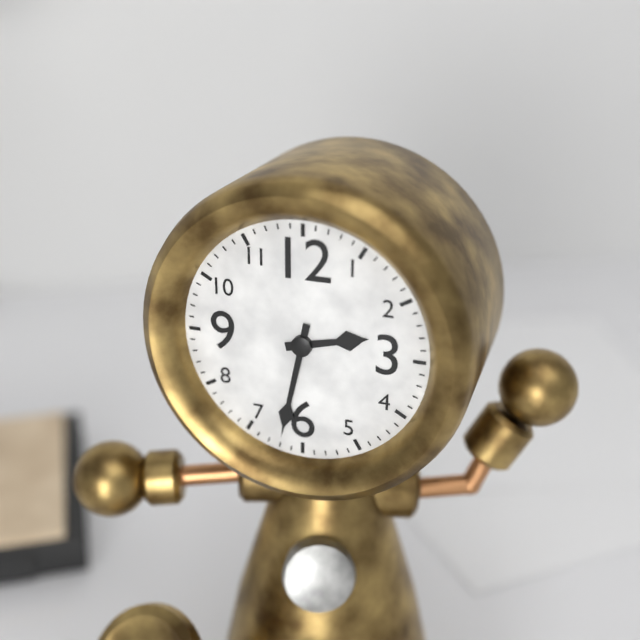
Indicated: 2,32
